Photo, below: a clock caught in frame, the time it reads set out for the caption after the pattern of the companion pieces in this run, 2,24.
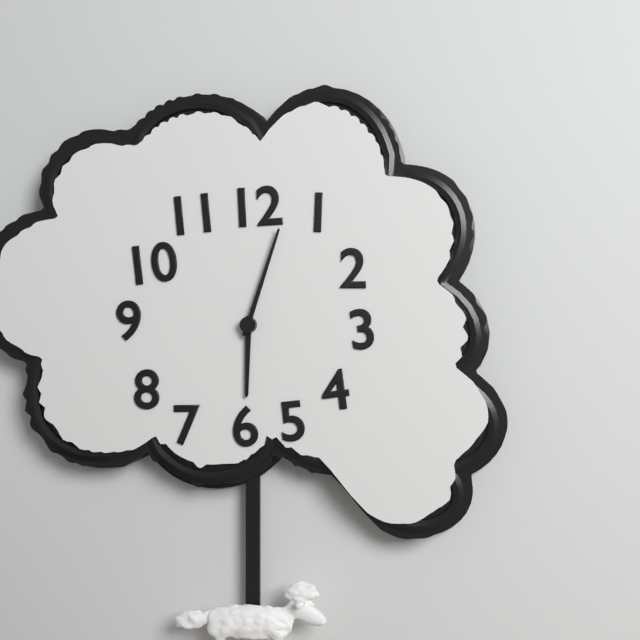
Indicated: 6,03
